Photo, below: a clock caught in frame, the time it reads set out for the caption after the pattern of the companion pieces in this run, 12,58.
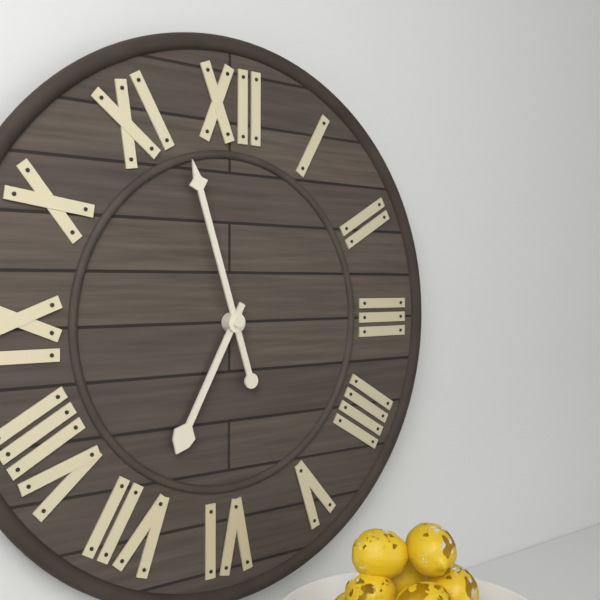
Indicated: 6,57
